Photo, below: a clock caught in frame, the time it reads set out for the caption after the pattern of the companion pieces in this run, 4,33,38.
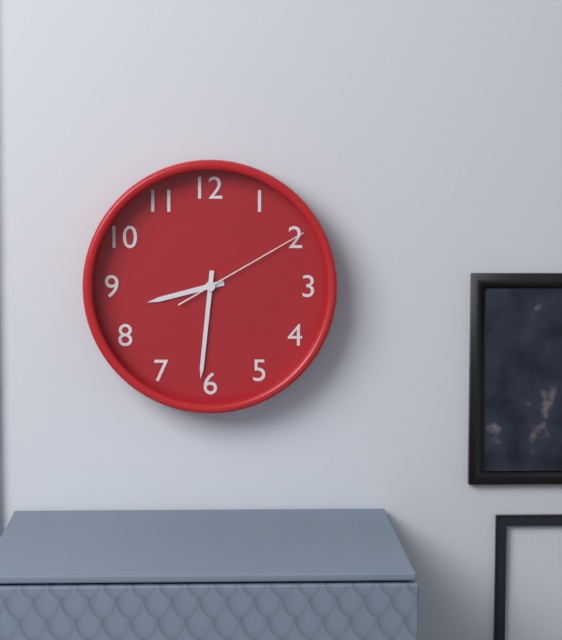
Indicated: 8,31,10
